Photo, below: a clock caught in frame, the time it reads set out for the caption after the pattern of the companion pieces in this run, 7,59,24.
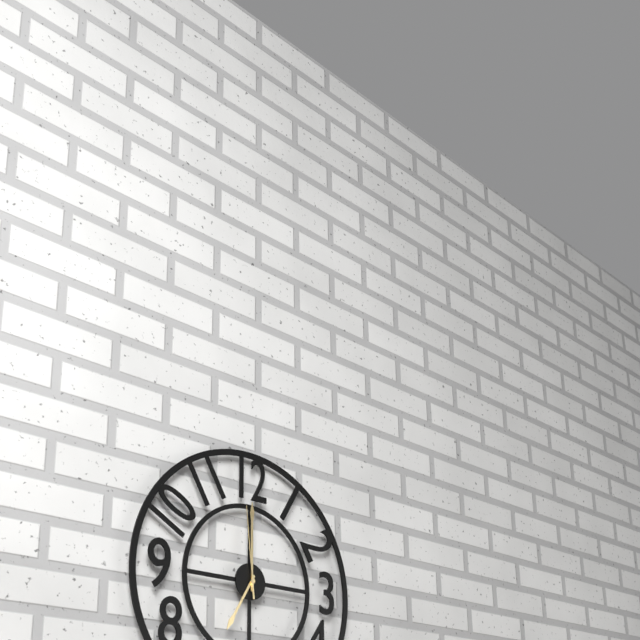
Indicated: 7,00,59
